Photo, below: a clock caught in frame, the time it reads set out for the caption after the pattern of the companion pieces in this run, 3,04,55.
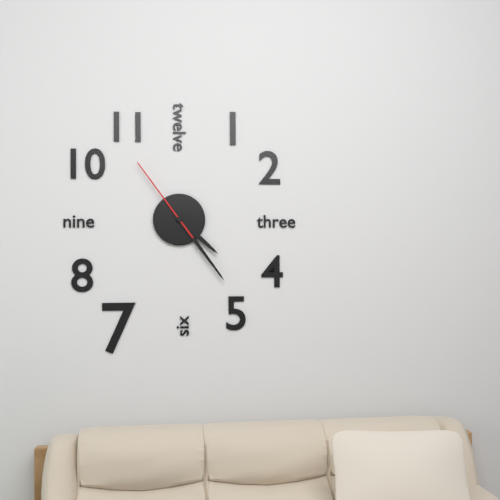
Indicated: 4,24,54
